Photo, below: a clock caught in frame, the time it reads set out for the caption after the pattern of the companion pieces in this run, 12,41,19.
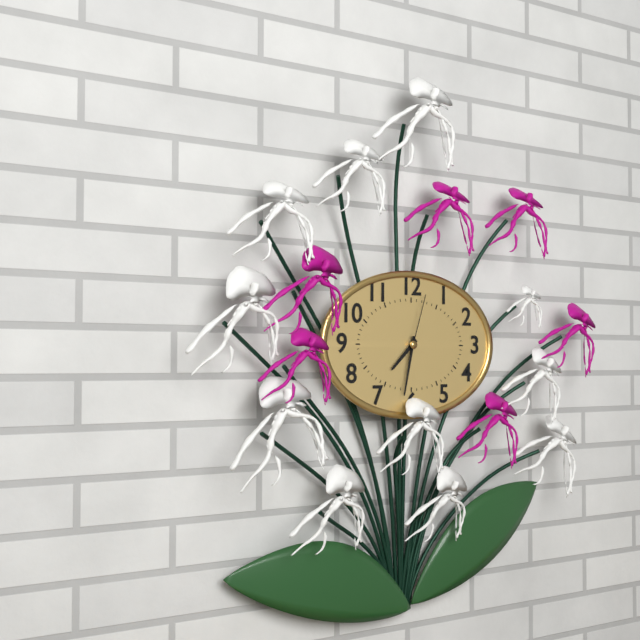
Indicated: 7,32,03
